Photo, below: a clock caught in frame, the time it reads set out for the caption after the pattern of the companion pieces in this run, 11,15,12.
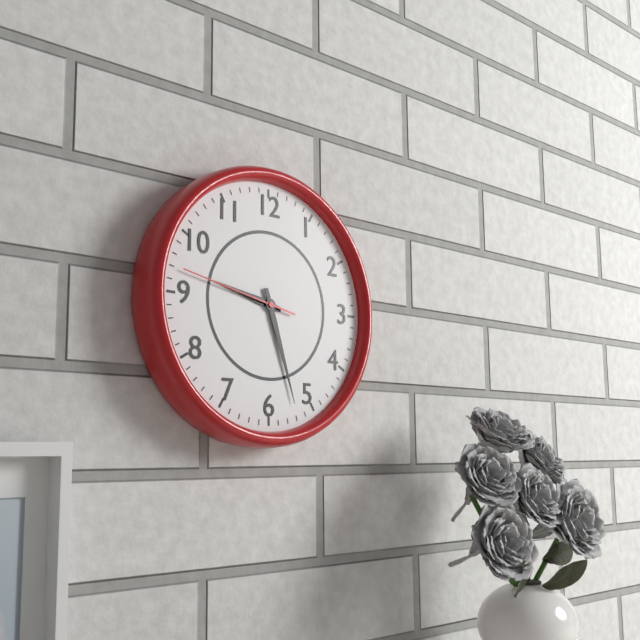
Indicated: 9,27,47
